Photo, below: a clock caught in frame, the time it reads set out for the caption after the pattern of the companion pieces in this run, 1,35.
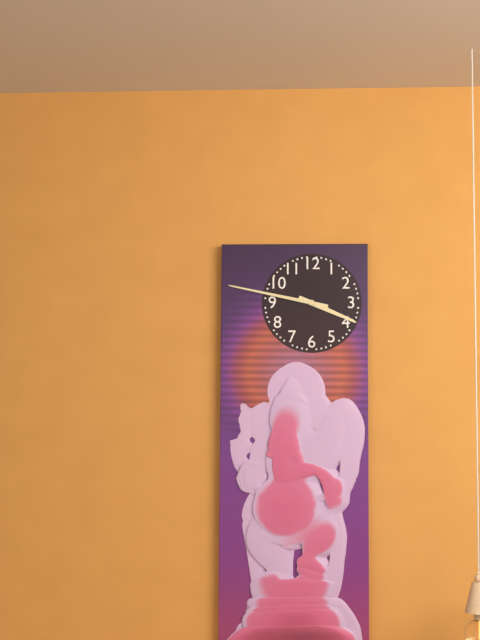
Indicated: 3,47
